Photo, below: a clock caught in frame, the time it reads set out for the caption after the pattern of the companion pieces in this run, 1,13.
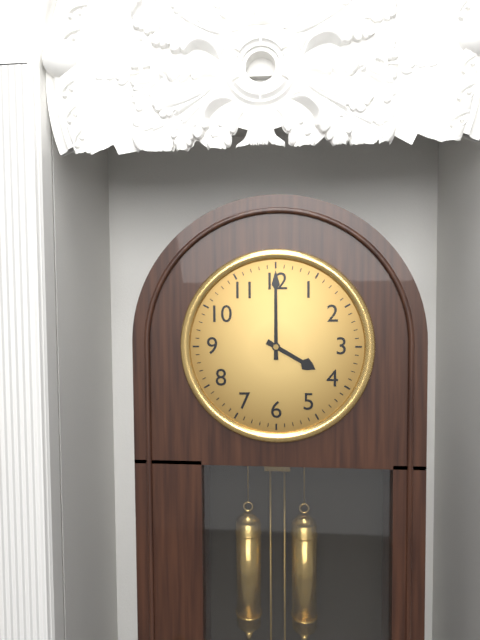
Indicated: 4,00
